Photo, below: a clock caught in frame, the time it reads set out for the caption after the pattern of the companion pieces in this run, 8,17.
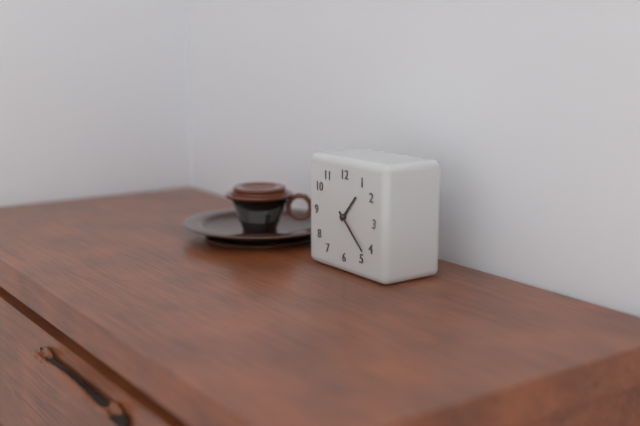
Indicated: 1,22
